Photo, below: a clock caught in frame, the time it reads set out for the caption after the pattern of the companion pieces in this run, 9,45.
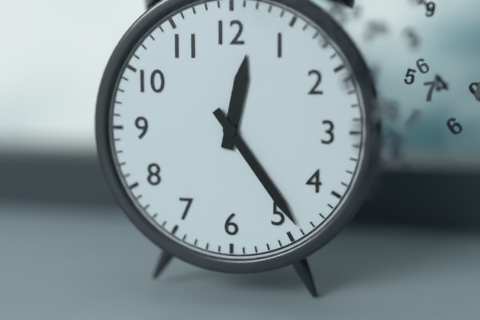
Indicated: 12,24
